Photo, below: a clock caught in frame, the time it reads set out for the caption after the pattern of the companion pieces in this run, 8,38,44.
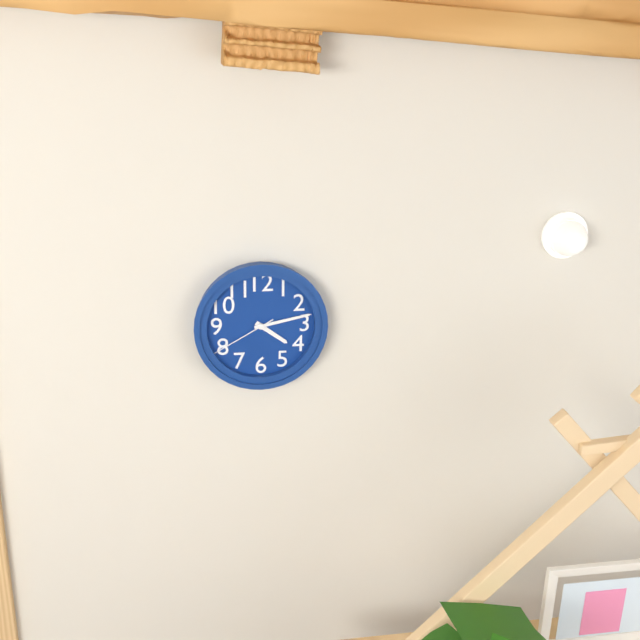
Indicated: 4,13,40
